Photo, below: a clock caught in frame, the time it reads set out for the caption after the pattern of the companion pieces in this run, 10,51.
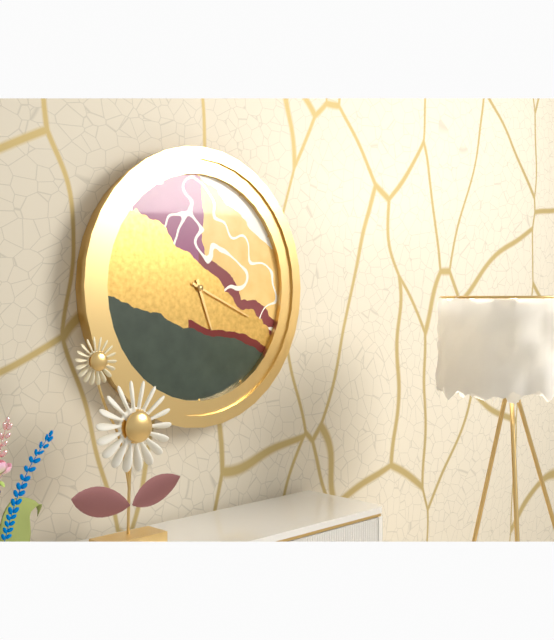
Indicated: 5,19
